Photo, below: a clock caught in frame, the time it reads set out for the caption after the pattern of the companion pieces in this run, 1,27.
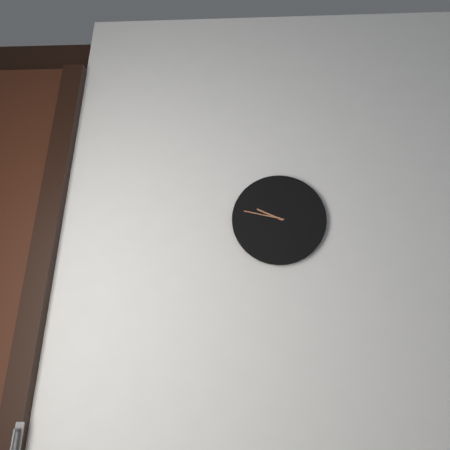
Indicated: 9,47
